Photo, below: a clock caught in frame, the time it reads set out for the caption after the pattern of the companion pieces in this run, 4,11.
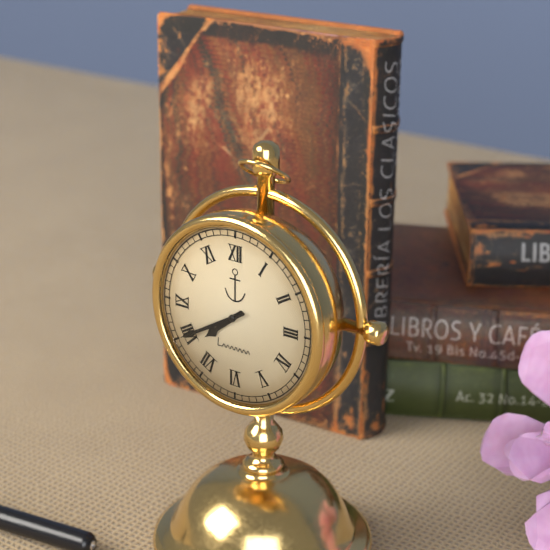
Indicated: 7,40
